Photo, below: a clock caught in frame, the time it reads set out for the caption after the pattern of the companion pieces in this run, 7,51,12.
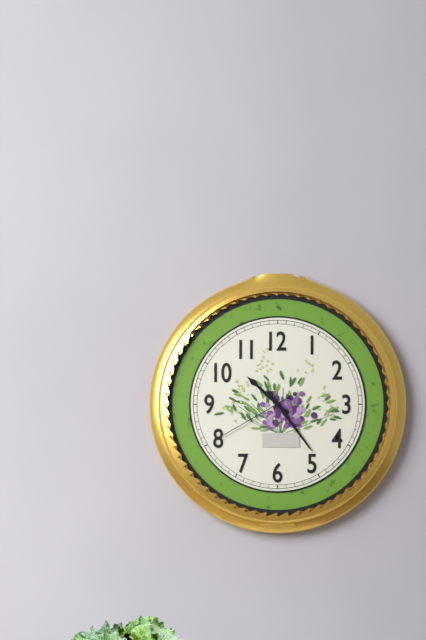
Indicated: 10,24,40
